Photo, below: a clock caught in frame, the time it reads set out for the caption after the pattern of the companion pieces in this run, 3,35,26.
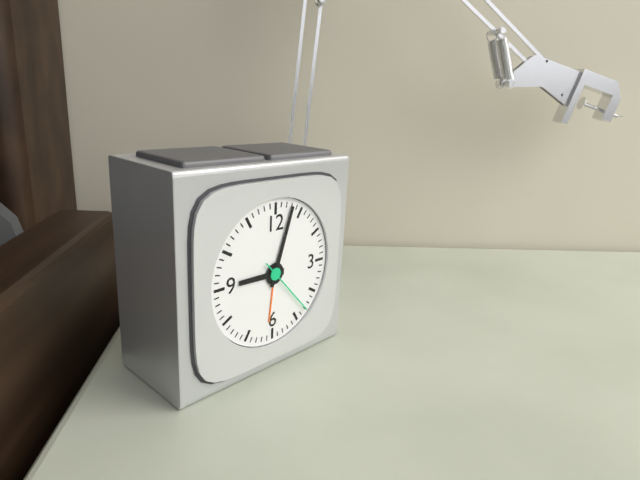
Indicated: 9,03,23
